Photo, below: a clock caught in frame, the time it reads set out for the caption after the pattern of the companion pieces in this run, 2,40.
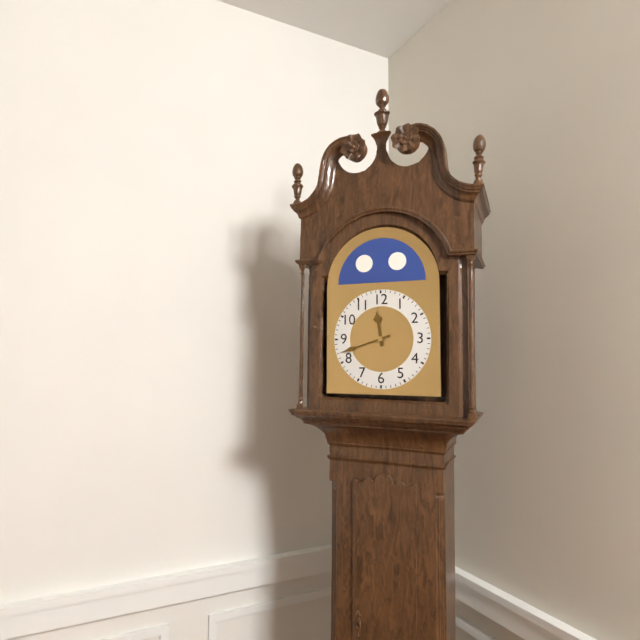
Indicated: 11,42
